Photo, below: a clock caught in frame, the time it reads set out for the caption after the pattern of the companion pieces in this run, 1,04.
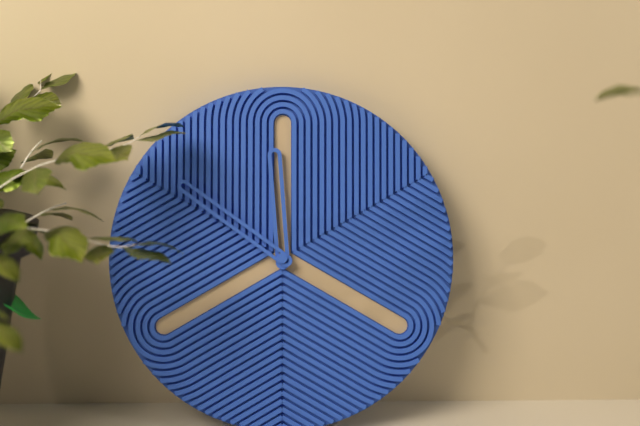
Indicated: 11,51
